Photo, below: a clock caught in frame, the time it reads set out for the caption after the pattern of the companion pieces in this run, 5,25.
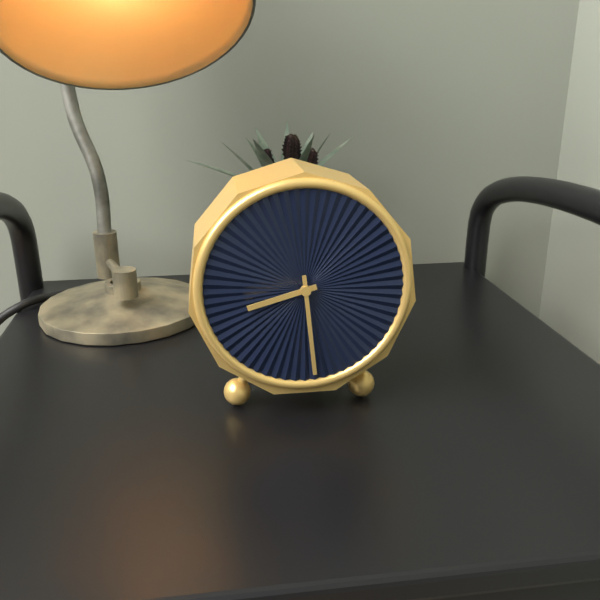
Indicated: 8,29
